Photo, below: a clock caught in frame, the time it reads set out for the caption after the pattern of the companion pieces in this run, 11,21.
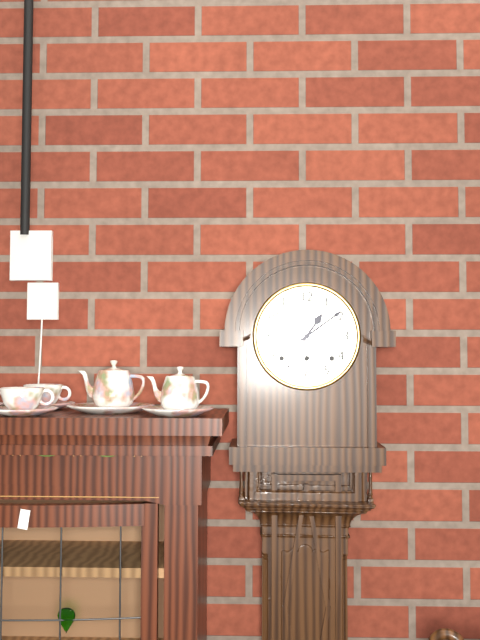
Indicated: 1,09
